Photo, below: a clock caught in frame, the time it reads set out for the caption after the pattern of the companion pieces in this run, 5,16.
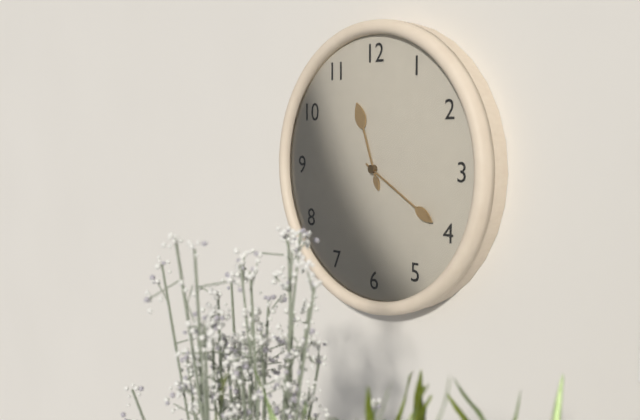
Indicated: 11,20
